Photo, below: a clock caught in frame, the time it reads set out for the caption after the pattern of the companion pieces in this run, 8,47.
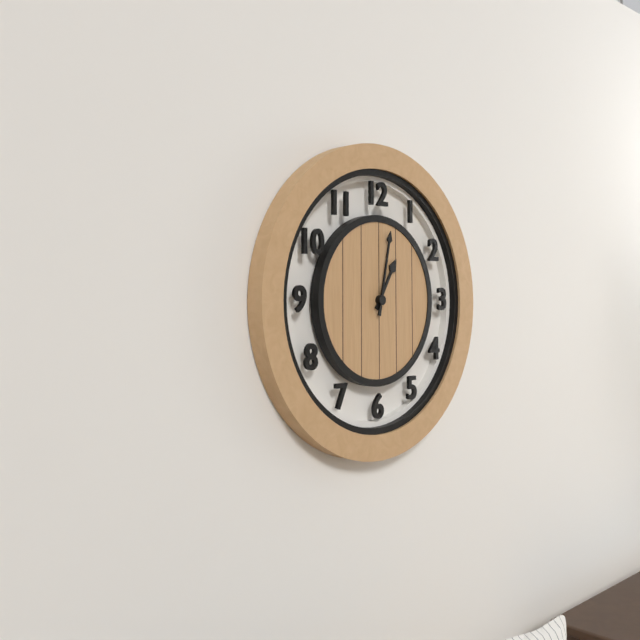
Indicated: 1,02
